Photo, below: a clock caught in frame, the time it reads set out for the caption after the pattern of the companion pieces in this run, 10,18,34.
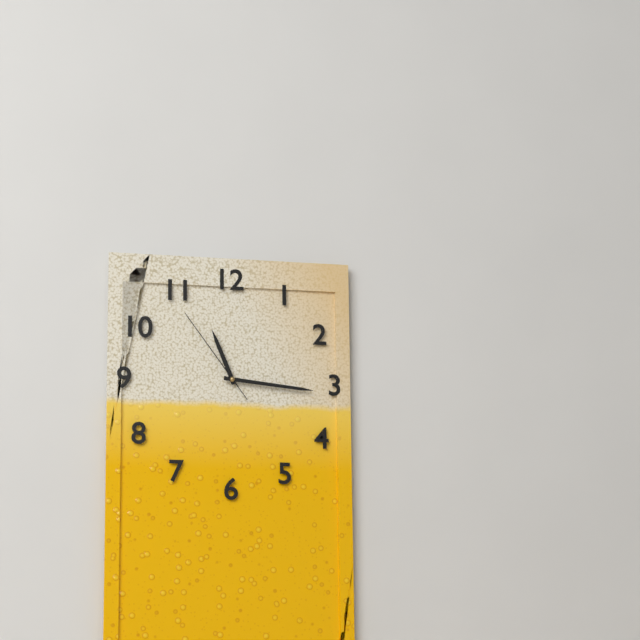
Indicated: 11,16,54
